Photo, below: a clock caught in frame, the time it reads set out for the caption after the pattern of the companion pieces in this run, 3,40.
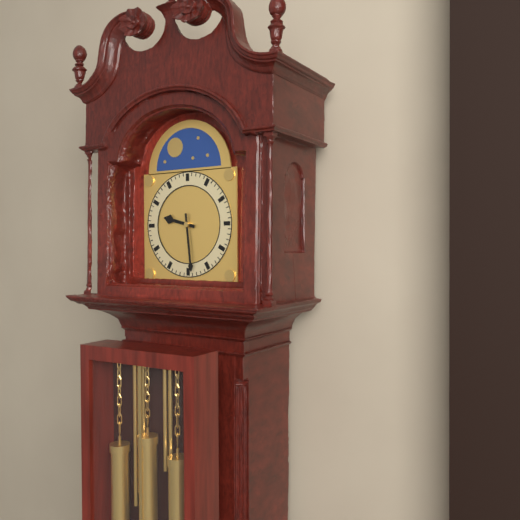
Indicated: 9,29
